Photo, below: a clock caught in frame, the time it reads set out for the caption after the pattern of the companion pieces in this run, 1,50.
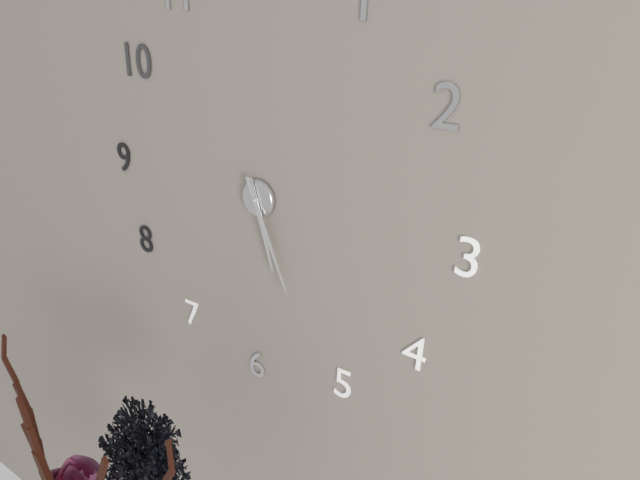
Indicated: 5,26
